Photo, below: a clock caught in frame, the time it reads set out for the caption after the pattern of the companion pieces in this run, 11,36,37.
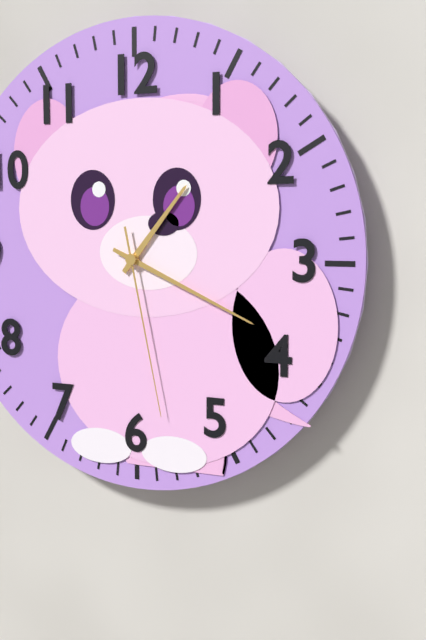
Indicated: 1,19,28
